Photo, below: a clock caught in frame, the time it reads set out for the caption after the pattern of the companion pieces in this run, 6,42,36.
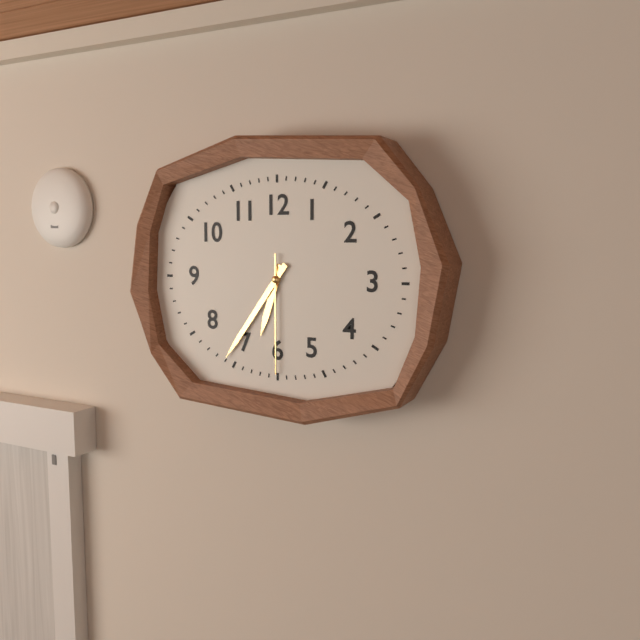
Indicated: 6,36,30
